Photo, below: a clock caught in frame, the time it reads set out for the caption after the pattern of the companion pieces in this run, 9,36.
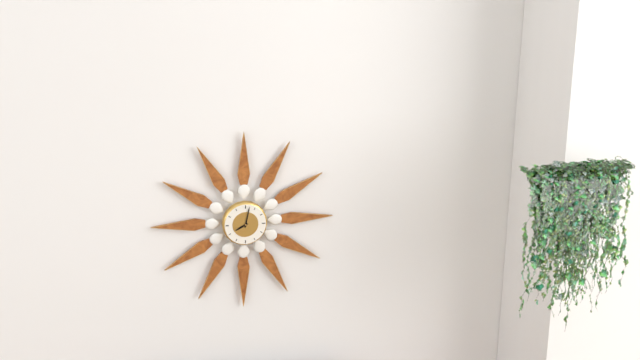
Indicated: 8,02
